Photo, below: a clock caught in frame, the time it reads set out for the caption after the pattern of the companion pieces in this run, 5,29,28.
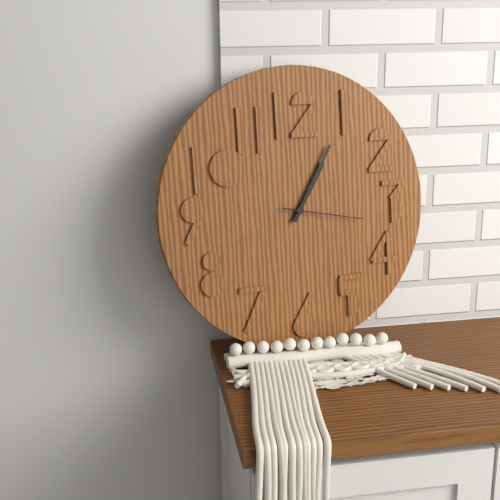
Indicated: 1,05,17
